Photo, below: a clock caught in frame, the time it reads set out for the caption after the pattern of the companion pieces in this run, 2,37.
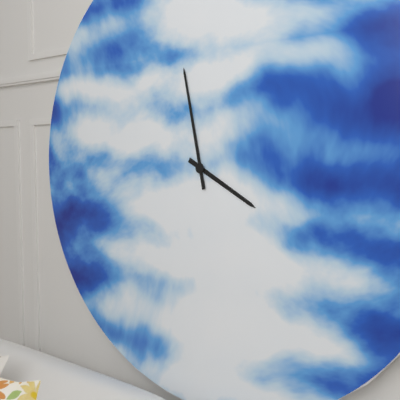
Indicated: 3,58
